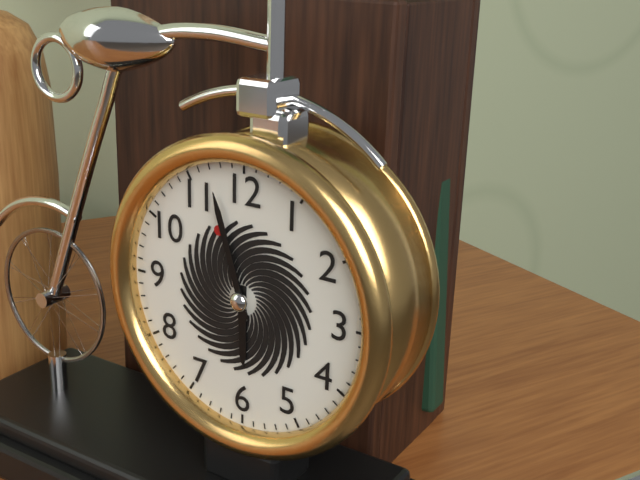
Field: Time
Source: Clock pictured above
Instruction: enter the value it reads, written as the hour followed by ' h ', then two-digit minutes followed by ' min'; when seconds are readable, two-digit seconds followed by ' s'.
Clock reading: 5 h 57 min
